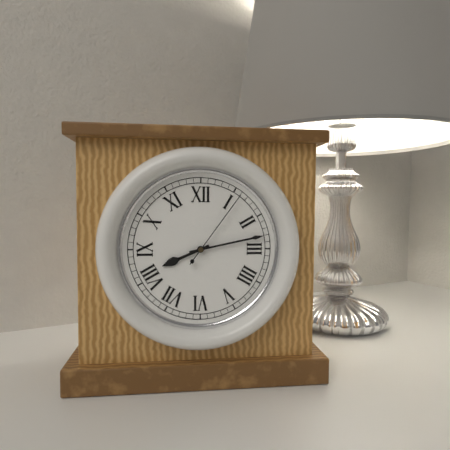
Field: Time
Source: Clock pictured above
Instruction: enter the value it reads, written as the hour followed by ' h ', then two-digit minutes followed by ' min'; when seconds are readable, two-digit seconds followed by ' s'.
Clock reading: 8 h 13 min 06 s
